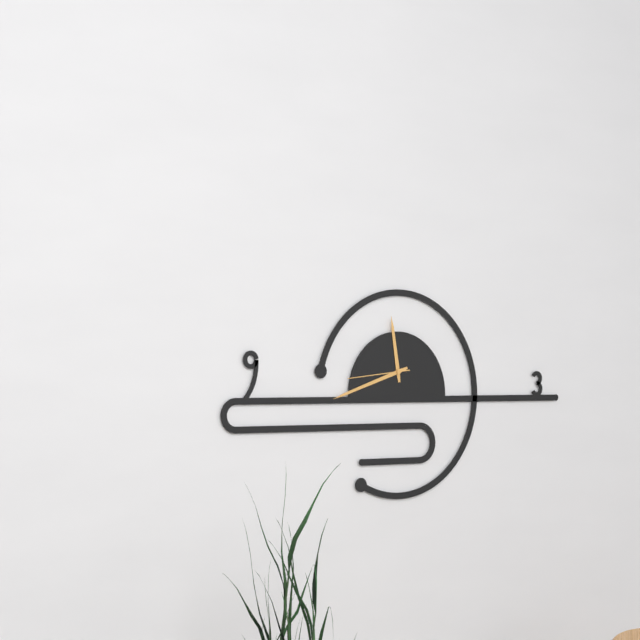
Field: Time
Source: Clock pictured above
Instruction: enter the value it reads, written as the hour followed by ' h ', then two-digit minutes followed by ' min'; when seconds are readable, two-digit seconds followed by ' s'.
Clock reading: 11 h 42 min 44 s
